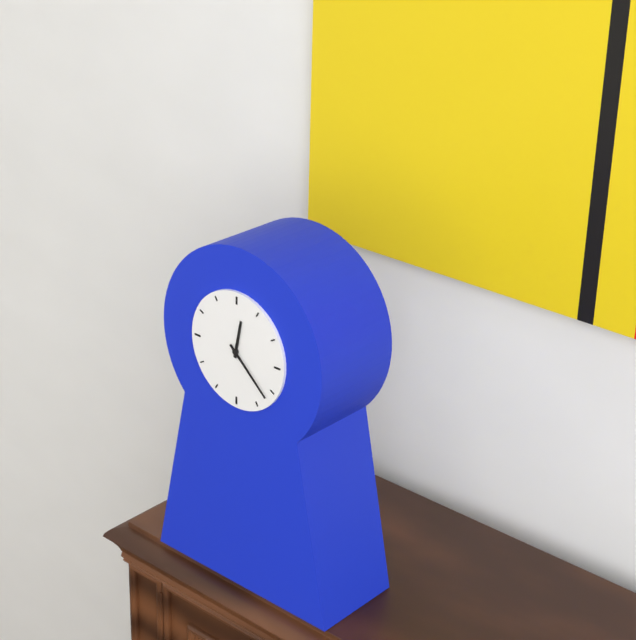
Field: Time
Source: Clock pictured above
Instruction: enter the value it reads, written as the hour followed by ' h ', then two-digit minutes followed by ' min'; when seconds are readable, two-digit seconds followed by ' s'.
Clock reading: 12 h 22 min
